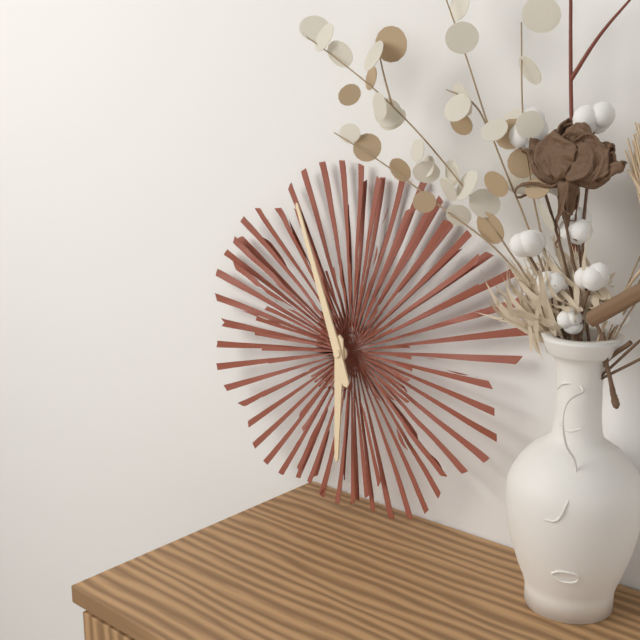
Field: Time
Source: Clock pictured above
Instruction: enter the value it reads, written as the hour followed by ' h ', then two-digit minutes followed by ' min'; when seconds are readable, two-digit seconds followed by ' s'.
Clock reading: 5 h 56 min
